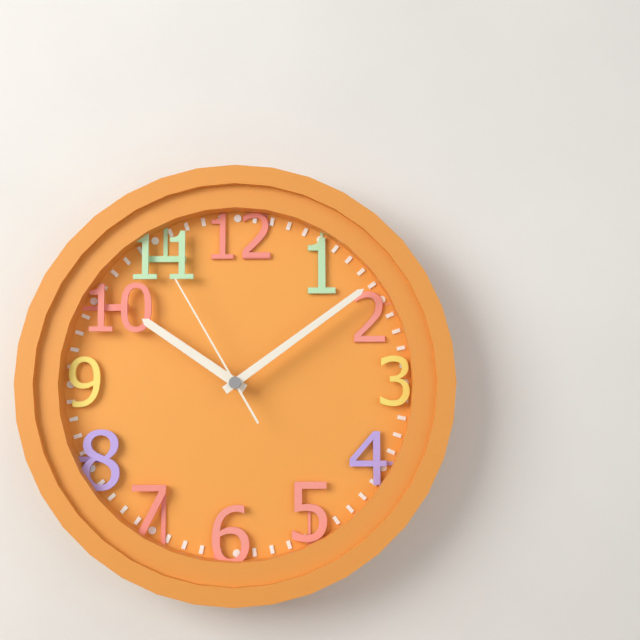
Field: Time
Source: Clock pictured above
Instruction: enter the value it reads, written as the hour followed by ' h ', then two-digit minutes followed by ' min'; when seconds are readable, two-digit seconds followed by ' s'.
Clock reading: 10 h 09 min 55 s
